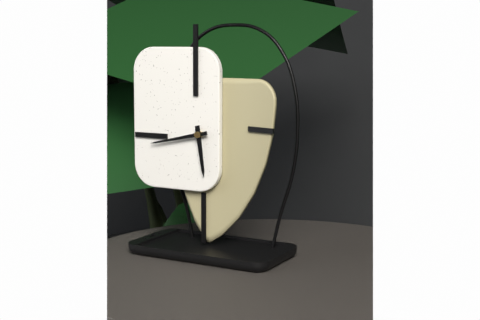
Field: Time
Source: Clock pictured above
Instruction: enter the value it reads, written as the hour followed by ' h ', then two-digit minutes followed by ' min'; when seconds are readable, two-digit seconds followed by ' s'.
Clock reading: 5 h 43 min
